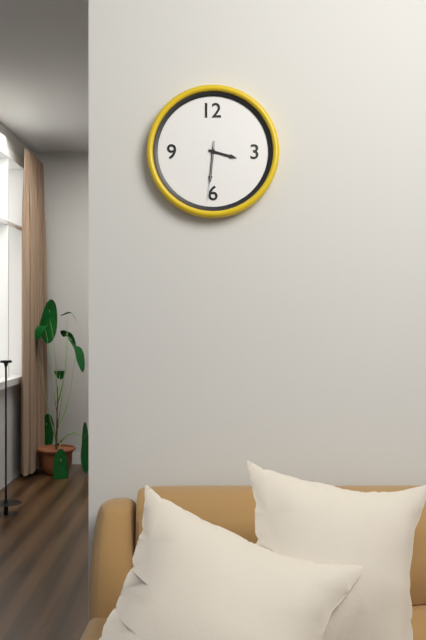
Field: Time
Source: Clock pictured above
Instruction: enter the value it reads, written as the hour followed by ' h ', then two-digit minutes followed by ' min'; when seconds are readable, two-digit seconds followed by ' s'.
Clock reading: 3 h 31 min 31 s
